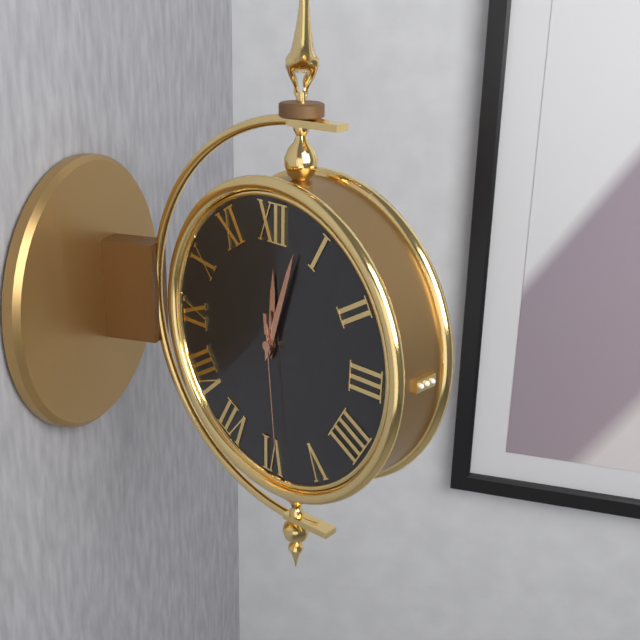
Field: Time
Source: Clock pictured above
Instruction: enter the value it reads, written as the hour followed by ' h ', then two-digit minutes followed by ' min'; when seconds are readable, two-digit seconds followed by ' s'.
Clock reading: 12 h 03 min 29 s
